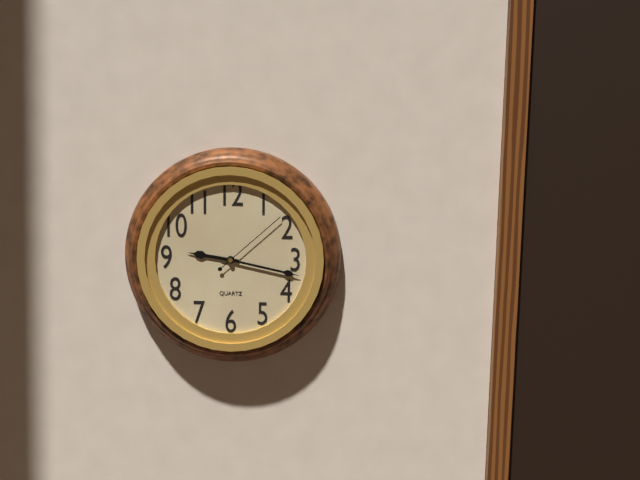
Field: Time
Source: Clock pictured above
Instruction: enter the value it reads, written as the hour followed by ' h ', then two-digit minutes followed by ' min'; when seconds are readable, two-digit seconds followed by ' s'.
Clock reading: 9 h 17 min 08 s
